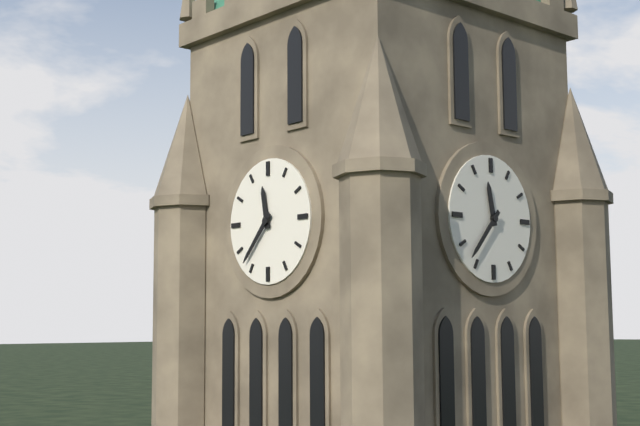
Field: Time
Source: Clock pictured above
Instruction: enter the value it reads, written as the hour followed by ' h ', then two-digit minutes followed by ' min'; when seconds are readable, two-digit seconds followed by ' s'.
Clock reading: 11 h 37 min
